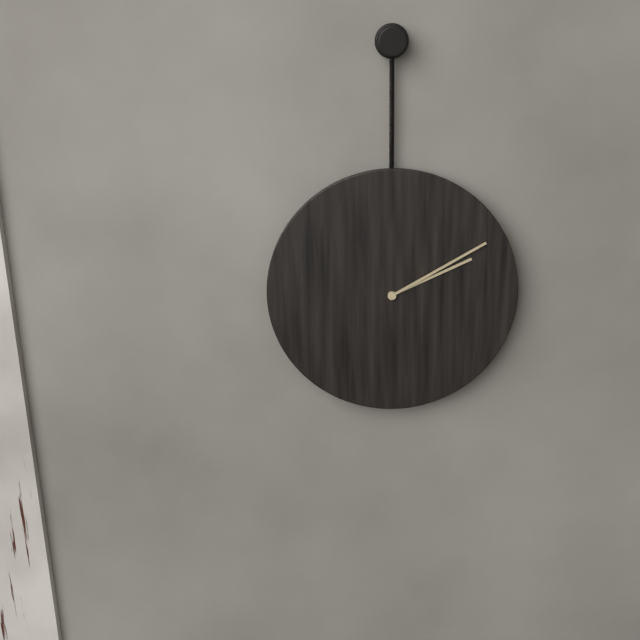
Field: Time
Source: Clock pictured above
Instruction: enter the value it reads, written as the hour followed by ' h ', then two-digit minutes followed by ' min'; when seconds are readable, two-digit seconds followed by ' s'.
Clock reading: 2 h 10 min
